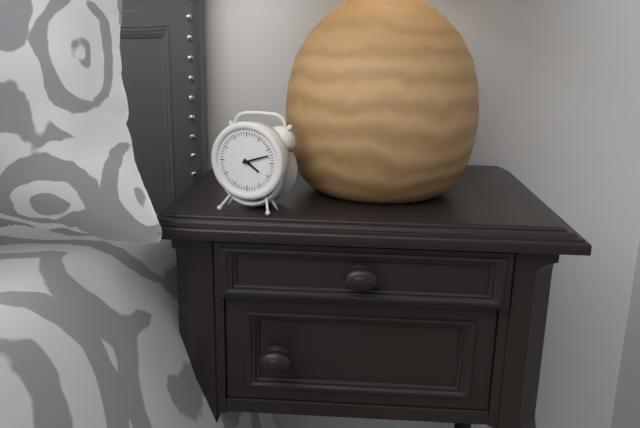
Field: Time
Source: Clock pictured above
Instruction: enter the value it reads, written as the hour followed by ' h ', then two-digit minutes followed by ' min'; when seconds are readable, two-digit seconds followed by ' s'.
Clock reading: 4 h 12 min
